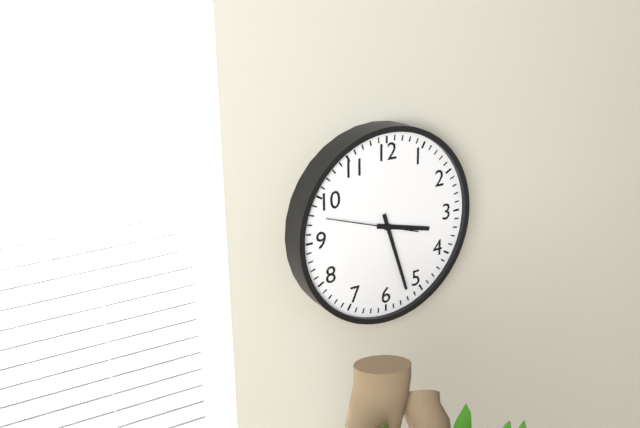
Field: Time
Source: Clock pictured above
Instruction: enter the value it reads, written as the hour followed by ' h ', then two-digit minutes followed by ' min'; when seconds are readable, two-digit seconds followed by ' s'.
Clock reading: 3 h 27 min 48 s
